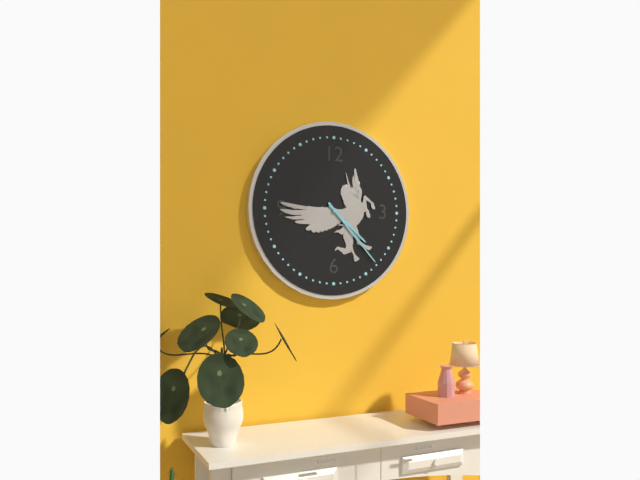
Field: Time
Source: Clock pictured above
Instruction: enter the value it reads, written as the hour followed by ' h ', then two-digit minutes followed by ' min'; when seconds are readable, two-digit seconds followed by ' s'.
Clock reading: 4 h 23 min
